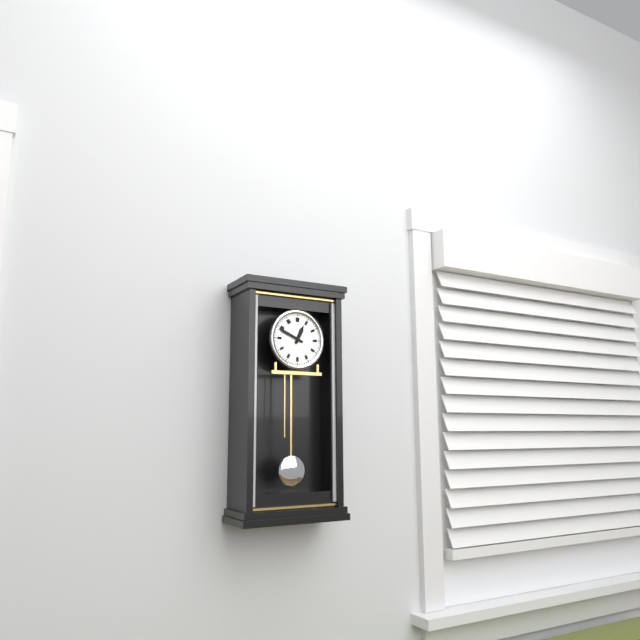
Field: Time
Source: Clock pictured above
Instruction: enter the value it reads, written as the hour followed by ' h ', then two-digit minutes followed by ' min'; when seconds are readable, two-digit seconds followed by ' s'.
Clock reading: 12 h 49 min
